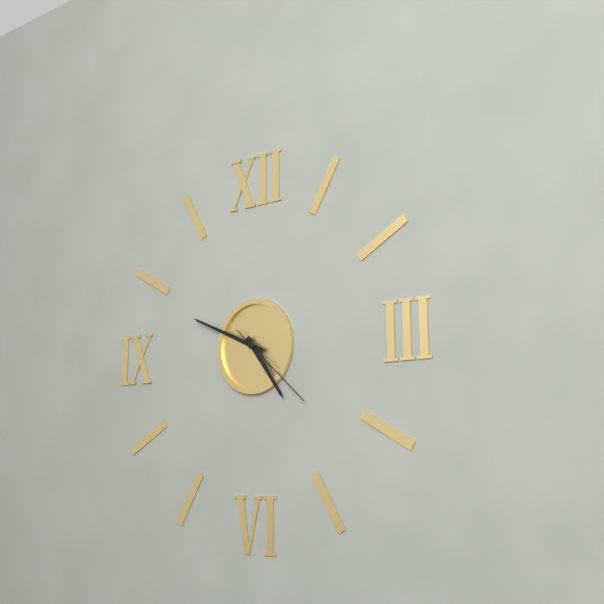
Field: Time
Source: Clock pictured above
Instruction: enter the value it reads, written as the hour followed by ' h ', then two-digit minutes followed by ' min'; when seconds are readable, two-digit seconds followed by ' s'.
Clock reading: 4 h 49 min 22 s
